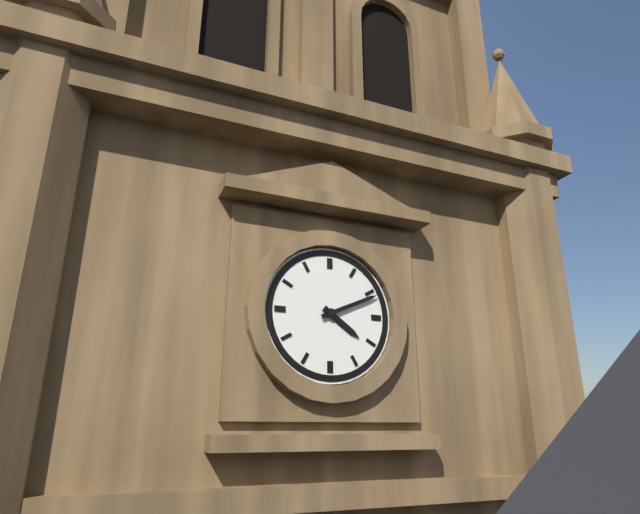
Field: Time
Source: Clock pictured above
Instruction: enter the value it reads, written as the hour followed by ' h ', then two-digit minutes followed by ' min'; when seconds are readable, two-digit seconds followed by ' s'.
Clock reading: 4 h 11 min
